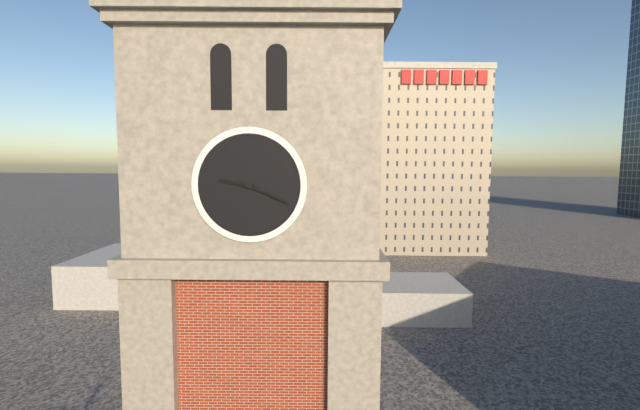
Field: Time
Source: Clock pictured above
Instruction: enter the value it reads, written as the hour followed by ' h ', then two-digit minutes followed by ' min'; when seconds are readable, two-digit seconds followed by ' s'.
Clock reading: 9 h 19 min
